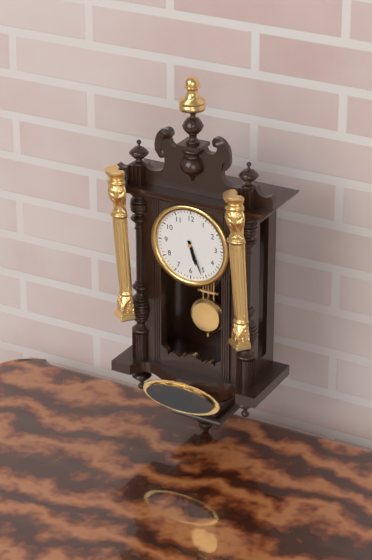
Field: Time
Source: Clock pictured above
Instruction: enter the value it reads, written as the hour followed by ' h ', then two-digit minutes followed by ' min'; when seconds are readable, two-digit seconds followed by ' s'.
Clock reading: 5 h 26 min
